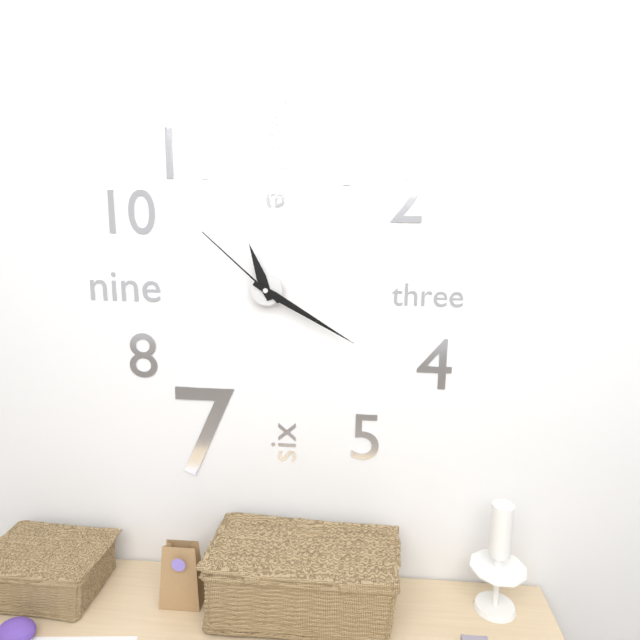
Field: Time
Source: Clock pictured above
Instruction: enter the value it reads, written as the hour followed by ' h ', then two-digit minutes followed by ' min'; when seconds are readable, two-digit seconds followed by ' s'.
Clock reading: 11 h 20 min 52 s
